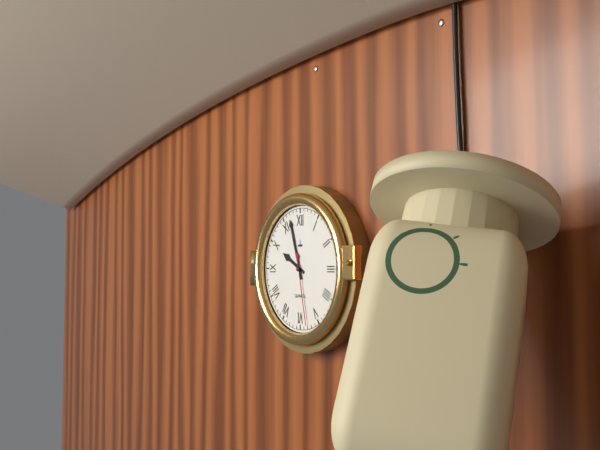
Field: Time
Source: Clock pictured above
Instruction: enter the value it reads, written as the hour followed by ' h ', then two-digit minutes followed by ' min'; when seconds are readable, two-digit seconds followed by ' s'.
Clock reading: 9 h 57 min 28 s
